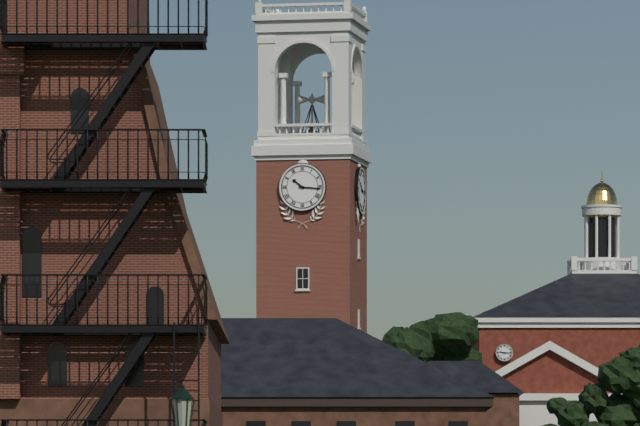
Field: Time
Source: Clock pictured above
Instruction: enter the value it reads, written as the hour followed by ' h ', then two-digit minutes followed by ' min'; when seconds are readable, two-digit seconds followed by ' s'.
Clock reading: 10 h 16 min
